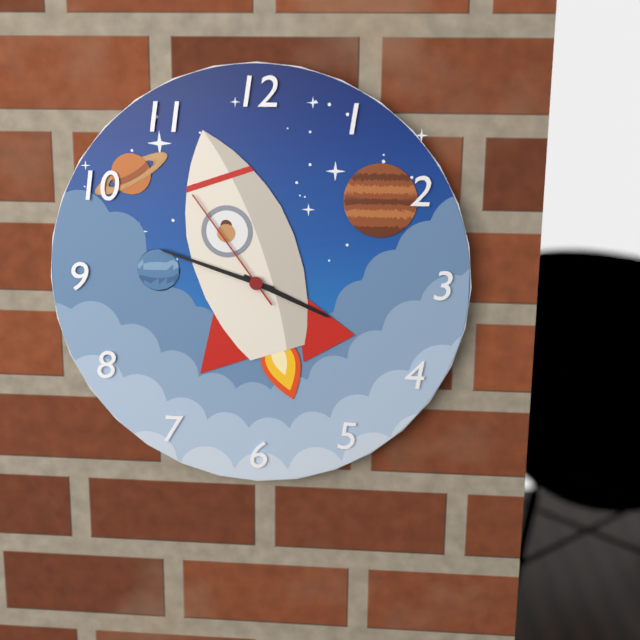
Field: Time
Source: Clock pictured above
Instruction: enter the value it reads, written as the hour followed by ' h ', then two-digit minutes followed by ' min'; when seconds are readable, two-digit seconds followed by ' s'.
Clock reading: 3 h 48 min 54 s
